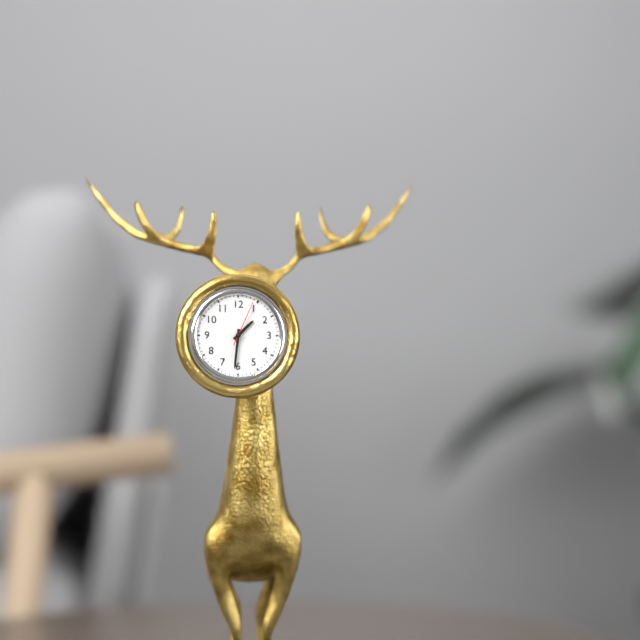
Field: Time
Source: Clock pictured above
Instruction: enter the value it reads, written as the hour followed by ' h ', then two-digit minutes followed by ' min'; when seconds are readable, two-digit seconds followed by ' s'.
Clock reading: 1 h 31 min
